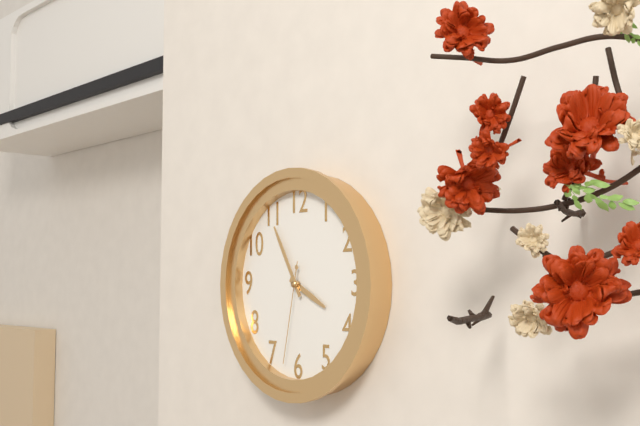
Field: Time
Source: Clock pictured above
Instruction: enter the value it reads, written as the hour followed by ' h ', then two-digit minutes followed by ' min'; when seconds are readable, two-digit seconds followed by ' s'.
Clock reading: 3 h 55 min 32 s
